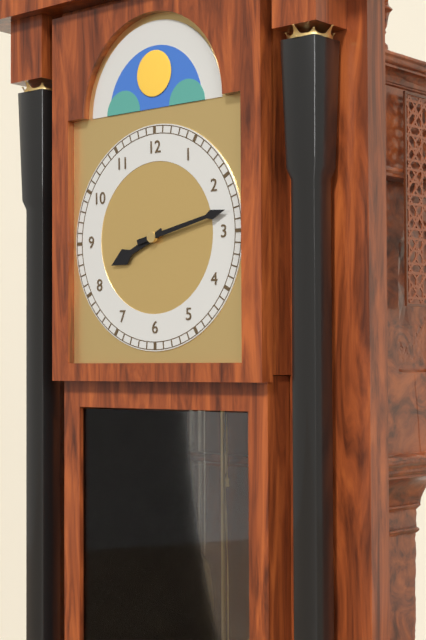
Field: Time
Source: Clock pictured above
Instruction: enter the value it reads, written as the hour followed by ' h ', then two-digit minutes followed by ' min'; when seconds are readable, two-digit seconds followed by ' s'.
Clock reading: 8 h 13 min
